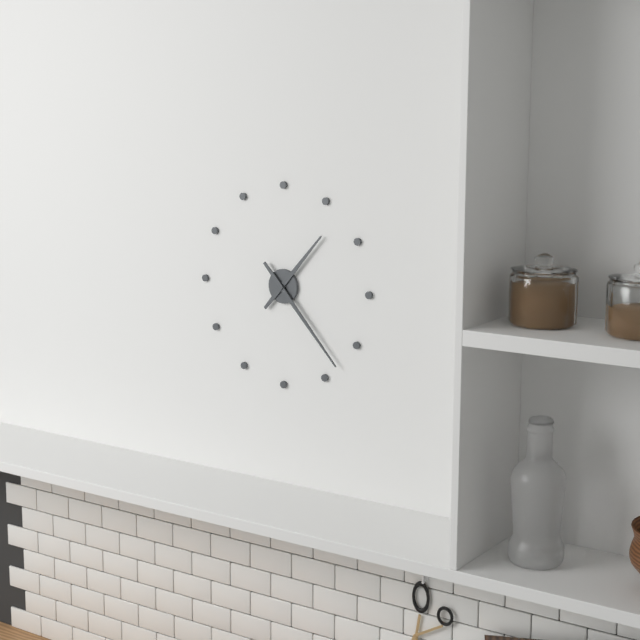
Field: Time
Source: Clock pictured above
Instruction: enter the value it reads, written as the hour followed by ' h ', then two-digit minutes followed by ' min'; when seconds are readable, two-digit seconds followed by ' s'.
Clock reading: 1 h 23 min
